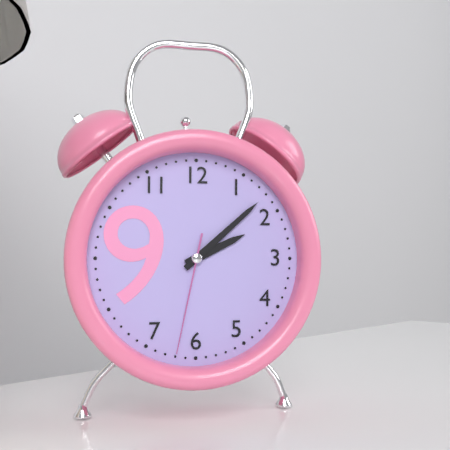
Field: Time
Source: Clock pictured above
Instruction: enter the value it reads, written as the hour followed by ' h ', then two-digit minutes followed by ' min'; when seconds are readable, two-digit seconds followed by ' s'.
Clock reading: 2 h 08 min 32 s
